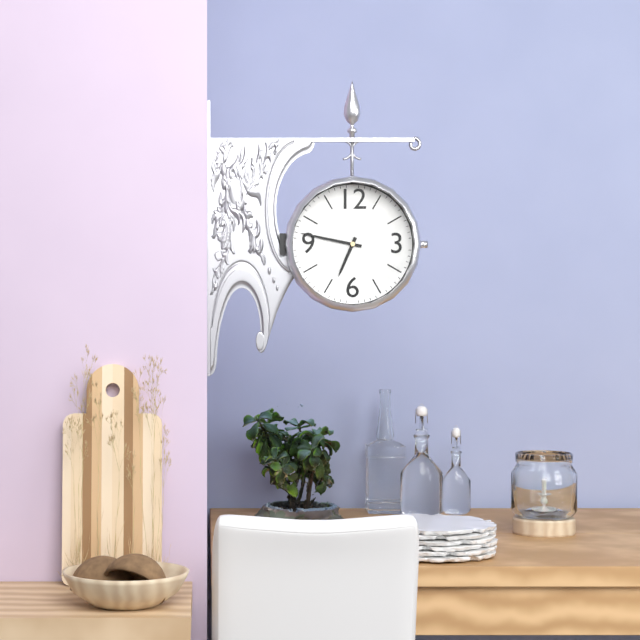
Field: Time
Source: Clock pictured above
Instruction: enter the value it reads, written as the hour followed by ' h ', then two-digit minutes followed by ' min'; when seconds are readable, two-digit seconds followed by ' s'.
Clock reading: 6 h 47 min
